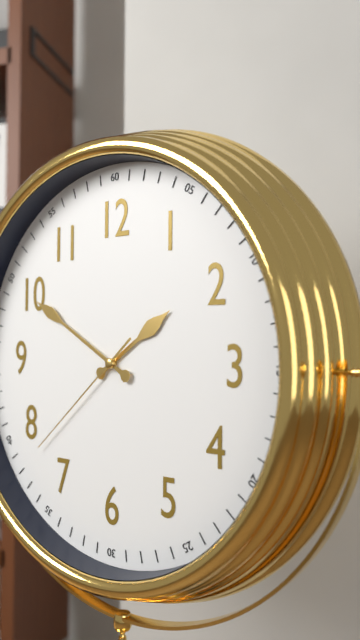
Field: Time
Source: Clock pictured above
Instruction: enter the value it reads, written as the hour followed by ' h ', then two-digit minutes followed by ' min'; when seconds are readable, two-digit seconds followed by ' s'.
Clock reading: 1 h 50 min 38 s
